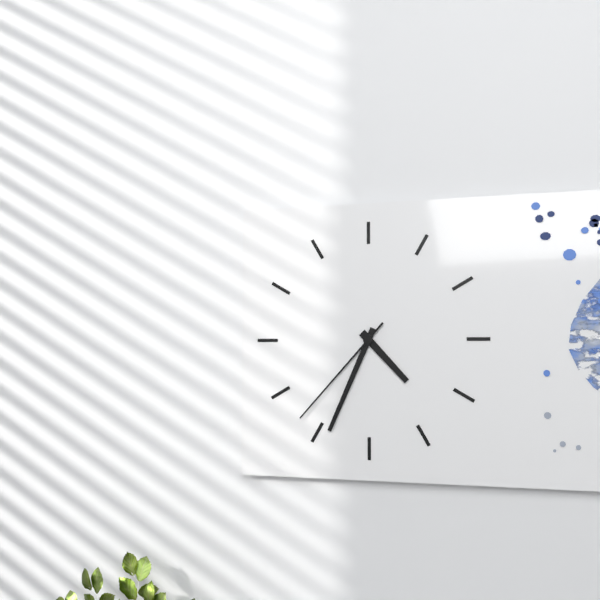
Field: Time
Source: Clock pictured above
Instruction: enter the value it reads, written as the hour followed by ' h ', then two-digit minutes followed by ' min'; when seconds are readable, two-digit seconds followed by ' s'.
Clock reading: 4 h 34 min 37 s
